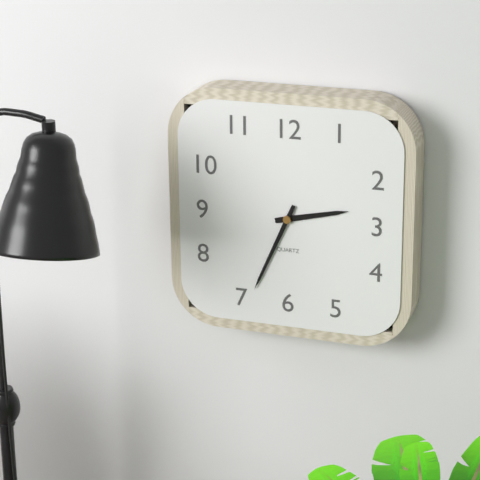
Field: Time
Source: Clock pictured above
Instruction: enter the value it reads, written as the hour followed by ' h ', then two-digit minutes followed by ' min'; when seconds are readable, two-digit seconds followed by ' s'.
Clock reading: 2 h 34 min
